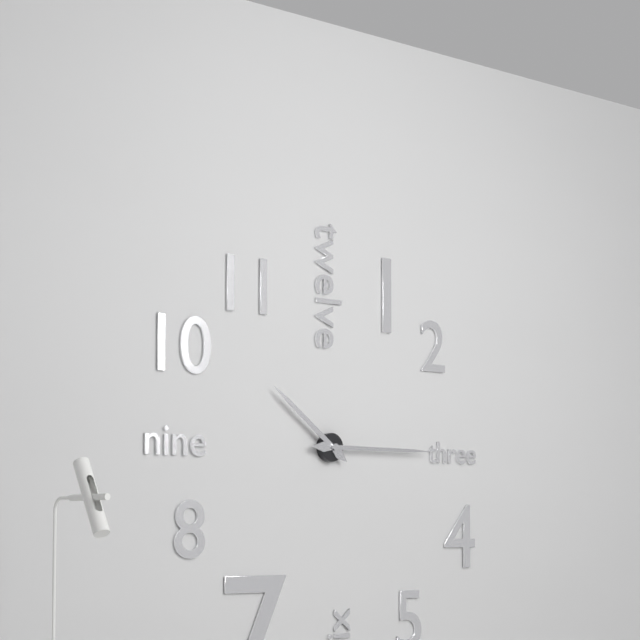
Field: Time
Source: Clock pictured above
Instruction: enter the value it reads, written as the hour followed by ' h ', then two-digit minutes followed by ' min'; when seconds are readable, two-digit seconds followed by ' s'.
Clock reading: 10 h 15 min
